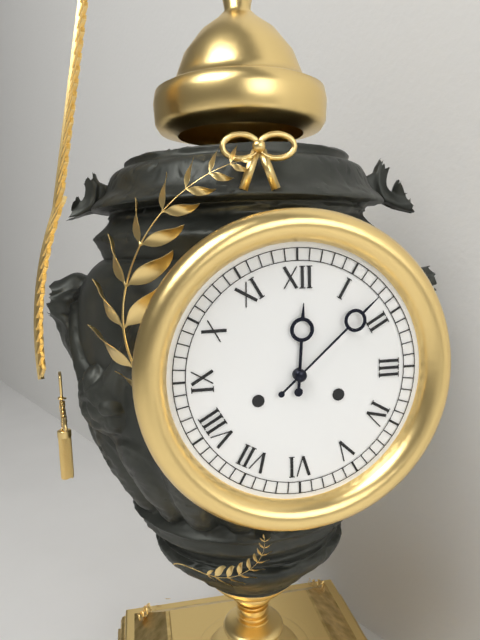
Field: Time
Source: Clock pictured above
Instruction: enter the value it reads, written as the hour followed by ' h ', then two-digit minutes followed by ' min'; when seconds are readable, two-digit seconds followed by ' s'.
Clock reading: 12 h 08 min
